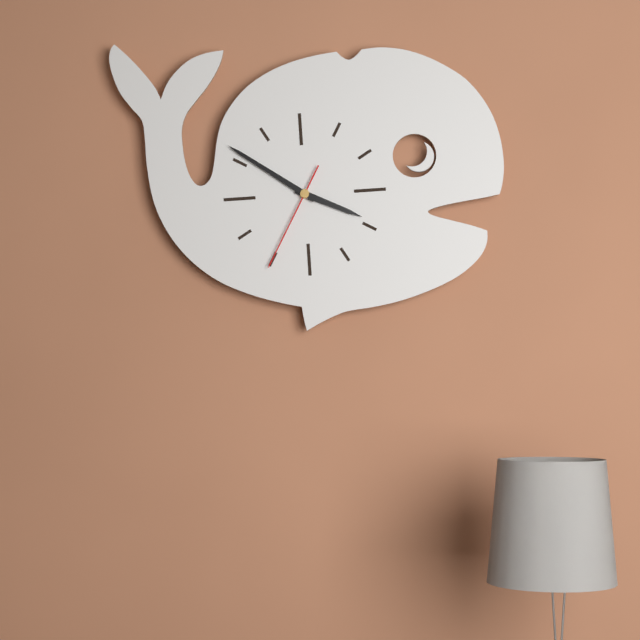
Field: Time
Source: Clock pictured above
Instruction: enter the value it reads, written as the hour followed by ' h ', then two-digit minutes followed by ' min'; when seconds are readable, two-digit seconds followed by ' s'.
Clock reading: 3 h 51 min 35 s
